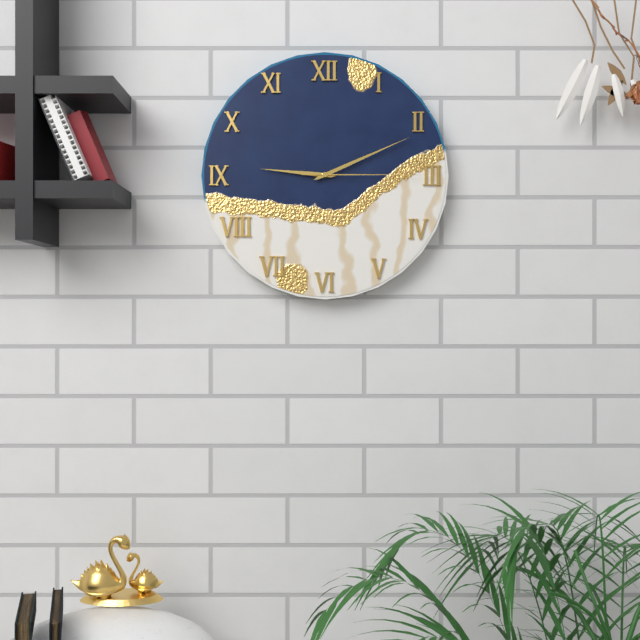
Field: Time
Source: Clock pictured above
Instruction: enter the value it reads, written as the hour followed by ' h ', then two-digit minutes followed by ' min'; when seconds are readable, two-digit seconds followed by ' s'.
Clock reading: 9 h 11 min 15 s
